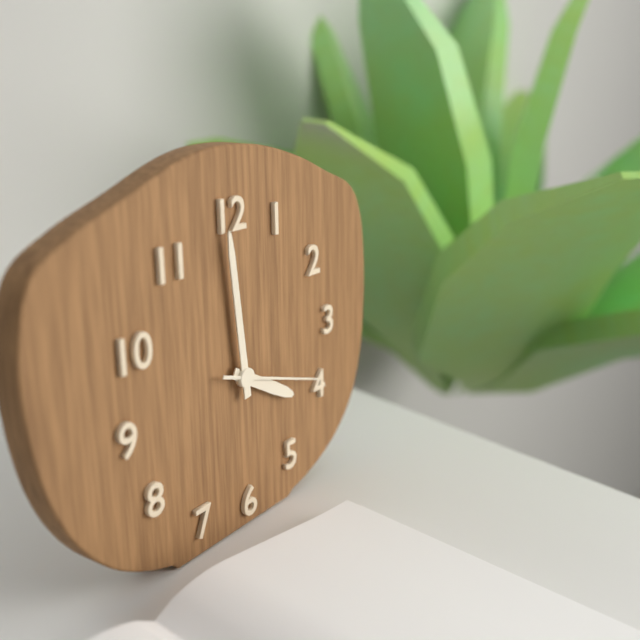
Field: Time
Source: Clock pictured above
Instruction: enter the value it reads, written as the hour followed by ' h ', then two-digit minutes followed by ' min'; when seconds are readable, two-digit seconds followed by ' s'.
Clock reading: 3 h 59 min 18 s
